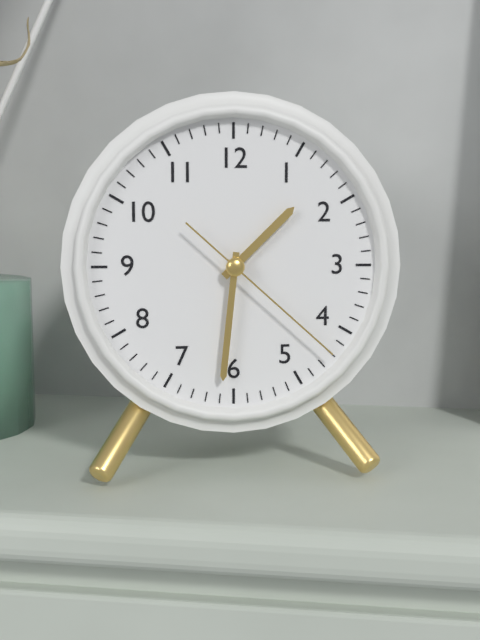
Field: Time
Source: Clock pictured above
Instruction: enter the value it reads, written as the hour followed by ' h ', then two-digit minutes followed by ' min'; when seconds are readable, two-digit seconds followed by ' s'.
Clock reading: 1 h 31 min 22 s
